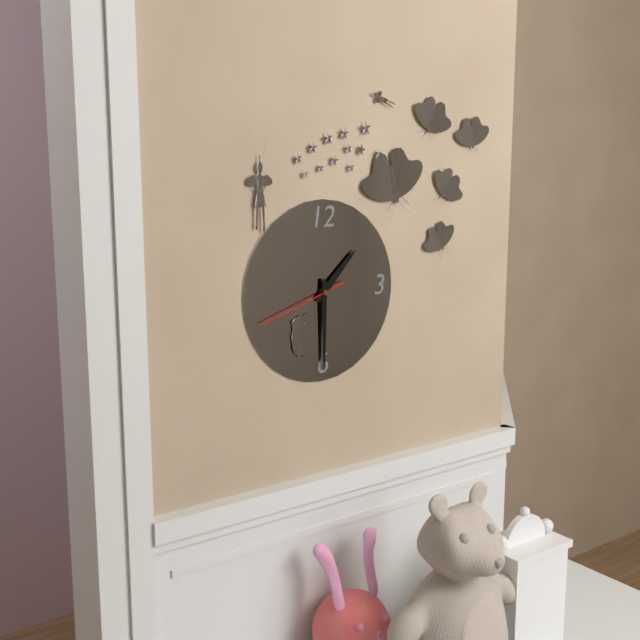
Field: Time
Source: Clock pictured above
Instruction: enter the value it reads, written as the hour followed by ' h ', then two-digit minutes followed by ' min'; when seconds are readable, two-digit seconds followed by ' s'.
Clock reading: 1 h 30 min 42 s
